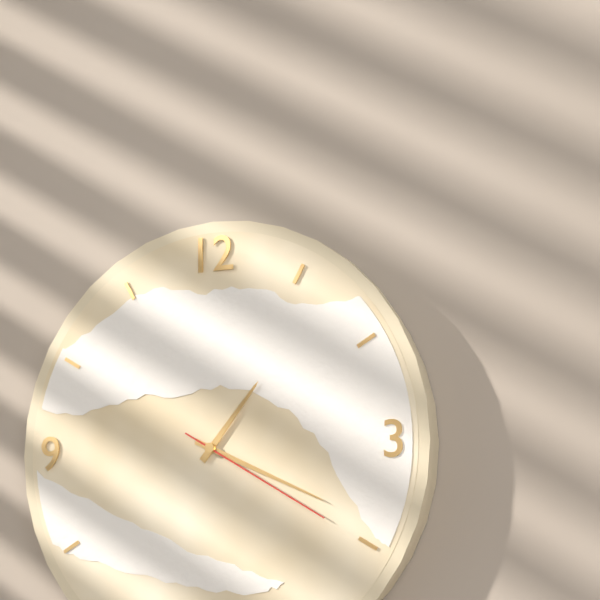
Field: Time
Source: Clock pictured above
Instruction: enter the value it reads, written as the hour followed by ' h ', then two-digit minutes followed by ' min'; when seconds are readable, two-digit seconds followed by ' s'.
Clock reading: 1 h 19 min 20 s
